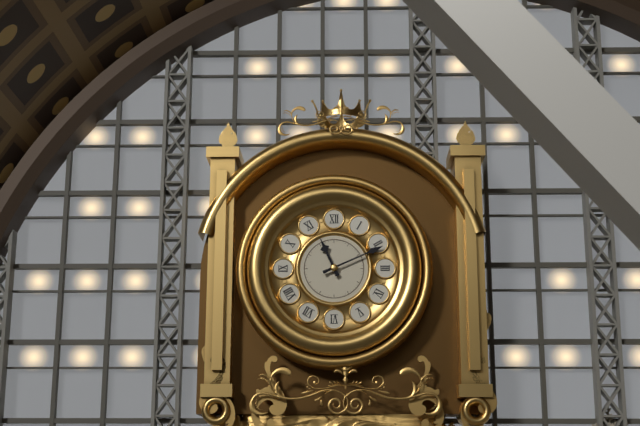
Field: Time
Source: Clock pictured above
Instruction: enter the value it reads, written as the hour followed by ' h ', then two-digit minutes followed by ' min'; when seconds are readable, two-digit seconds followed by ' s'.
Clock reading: 11 h 11 min
